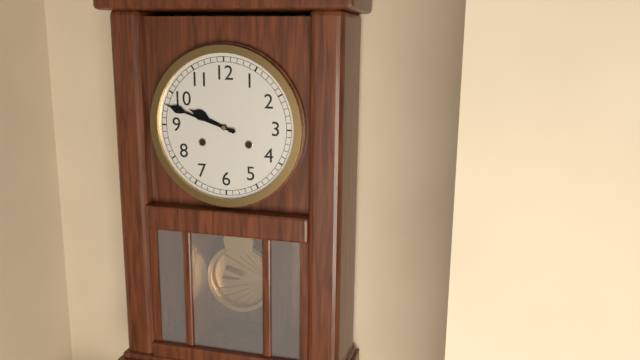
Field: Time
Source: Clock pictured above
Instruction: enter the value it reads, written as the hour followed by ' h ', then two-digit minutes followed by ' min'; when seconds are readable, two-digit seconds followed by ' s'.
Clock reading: 9 h 48 min
